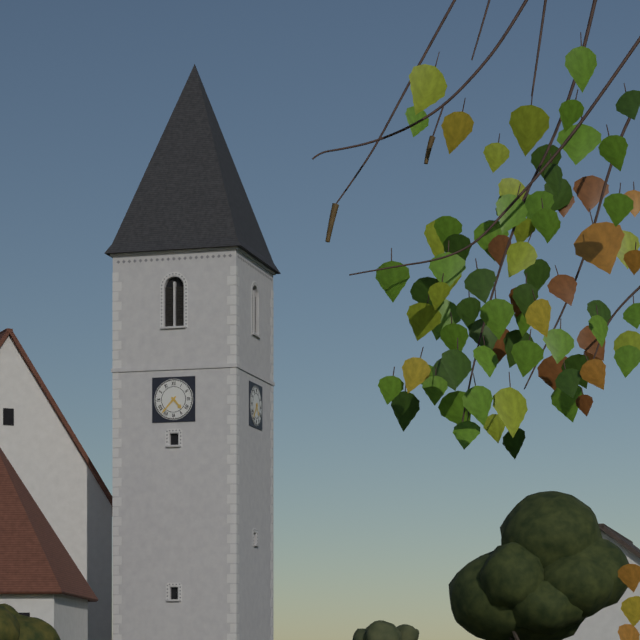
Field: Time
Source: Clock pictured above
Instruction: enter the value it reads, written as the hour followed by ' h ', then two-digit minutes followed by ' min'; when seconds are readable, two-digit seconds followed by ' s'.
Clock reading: 4 h 37 min
